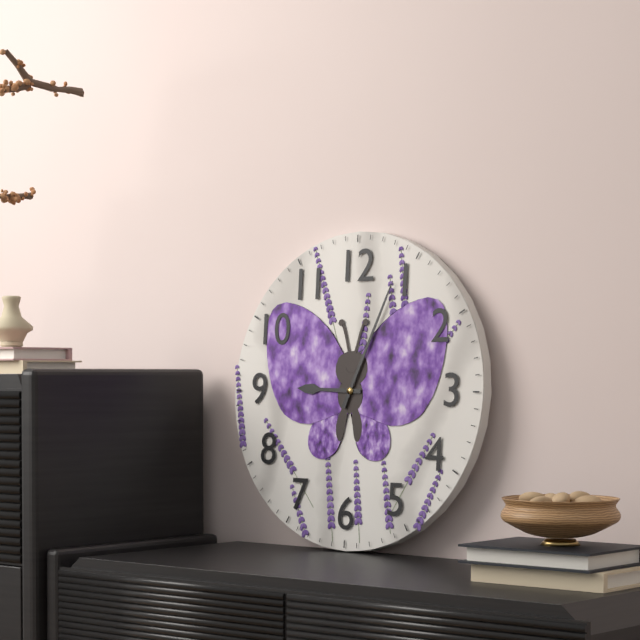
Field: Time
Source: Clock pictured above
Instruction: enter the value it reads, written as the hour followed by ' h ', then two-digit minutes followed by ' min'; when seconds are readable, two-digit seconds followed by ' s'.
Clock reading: 9 h 04 min
